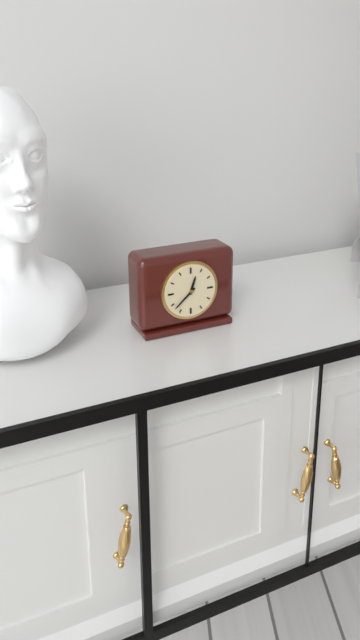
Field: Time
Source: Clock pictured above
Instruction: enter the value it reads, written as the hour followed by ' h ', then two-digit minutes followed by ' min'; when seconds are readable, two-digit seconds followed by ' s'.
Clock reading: 12 h 38 min
